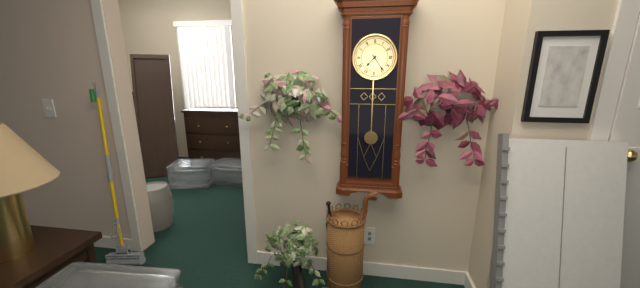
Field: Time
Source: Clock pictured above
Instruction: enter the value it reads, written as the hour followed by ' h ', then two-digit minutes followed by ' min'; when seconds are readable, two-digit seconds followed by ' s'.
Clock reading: 7 h 24 min
